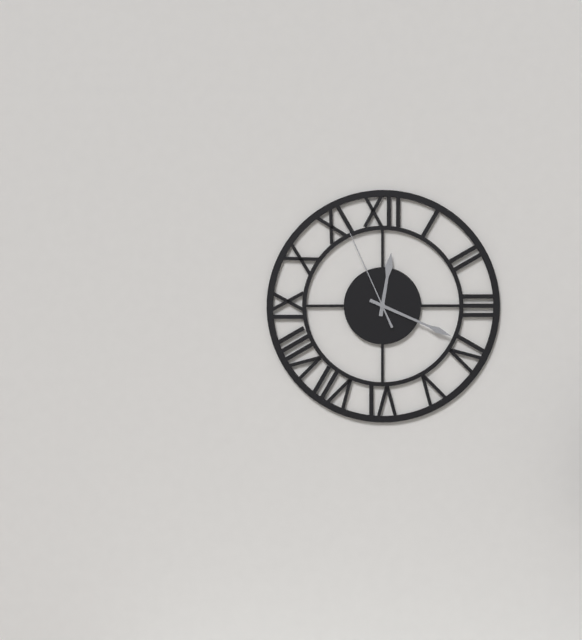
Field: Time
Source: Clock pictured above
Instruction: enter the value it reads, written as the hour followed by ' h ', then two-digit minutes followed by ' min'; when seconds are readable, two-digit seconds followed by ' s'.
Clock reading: 12 h 19 min 56 s
